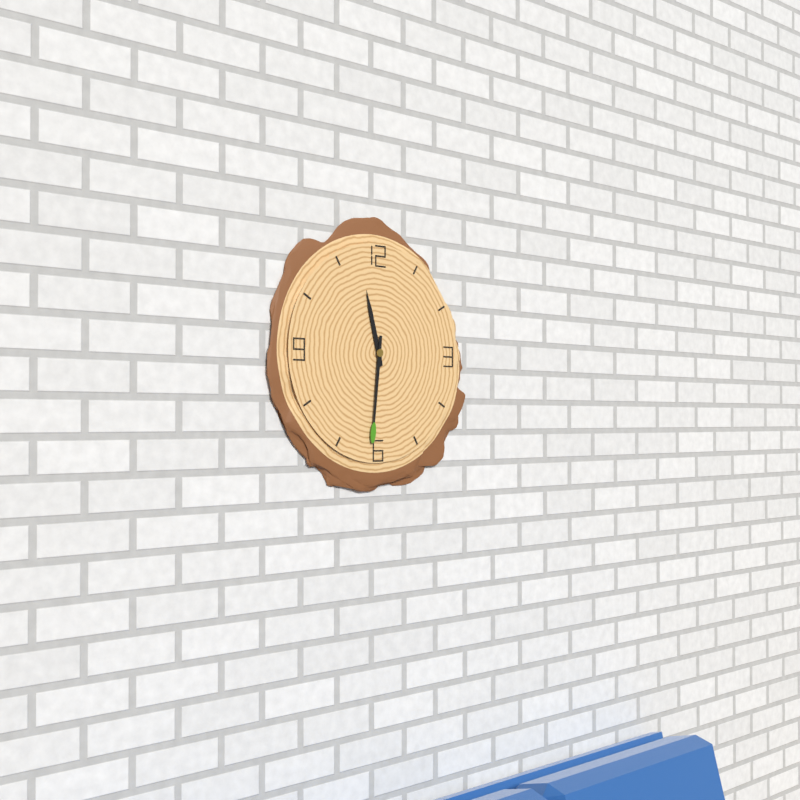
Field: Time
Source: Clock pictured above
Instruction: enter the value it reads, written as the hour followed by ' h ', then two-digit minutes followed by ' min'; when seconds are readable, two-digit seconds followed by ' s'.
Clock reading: 11 h 31 min
